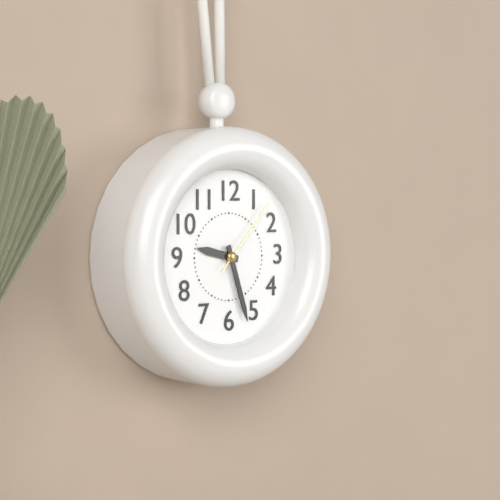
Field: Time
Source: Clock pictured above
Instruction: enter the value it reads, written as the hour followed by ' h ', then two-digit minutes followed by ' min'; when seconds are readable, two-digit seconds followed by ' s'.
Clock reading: 9 h 27 min 07 s
